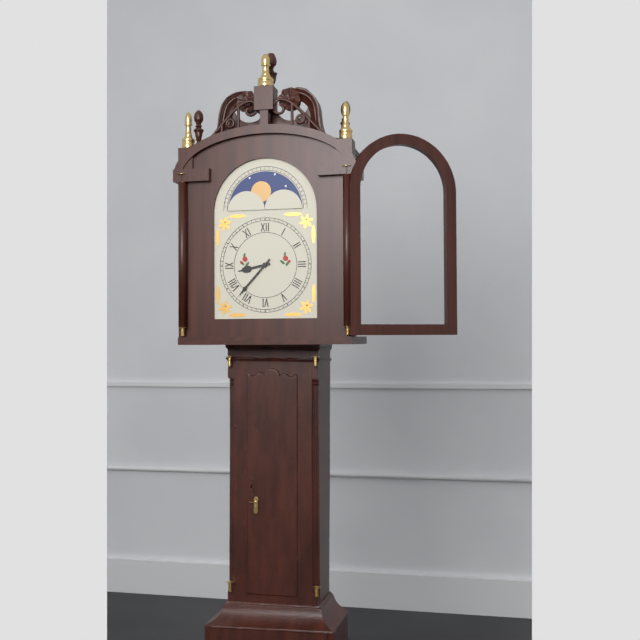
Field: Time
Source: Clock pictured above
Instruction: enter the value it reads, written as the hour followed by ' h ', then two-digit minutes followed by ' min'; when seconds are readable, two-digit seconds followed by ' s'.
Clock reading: 8 h 37 min
